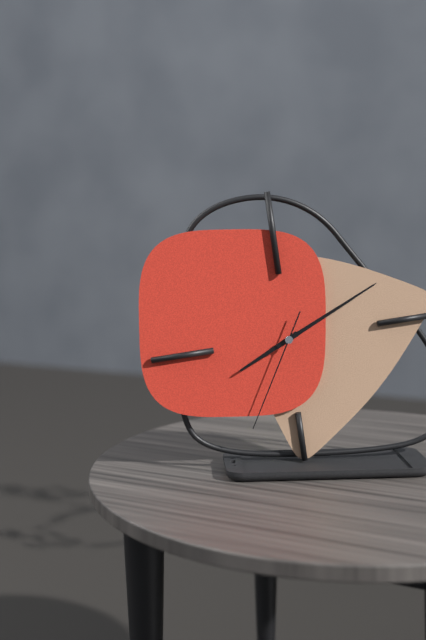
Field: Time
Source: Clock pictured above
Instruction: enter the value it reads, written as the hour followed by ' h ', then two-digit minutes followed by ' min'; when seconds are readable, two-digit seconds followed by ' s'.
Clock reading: 8 h 11 min 35 s
